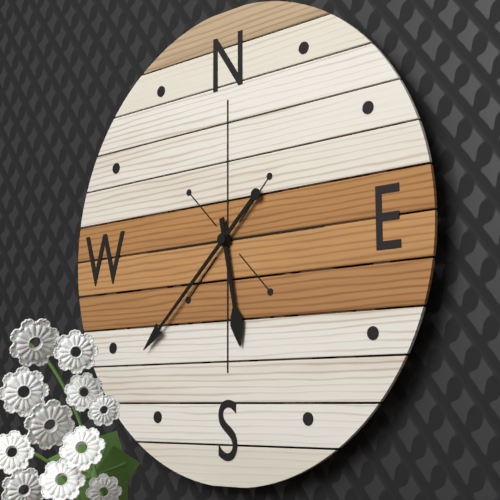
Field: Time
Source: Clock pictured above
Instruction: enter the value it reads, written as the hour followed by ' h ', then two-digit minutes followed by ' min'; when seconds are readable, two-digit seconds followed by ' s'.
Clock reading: 5 h 38 min
